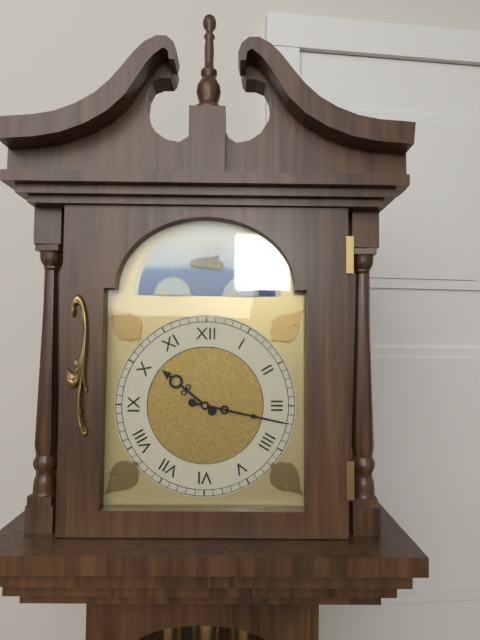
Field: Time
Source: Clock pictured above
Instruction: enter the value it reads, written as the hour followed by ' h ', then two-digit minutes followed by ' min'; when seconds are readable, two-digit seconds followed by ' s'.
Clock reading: 10 h 17 min
